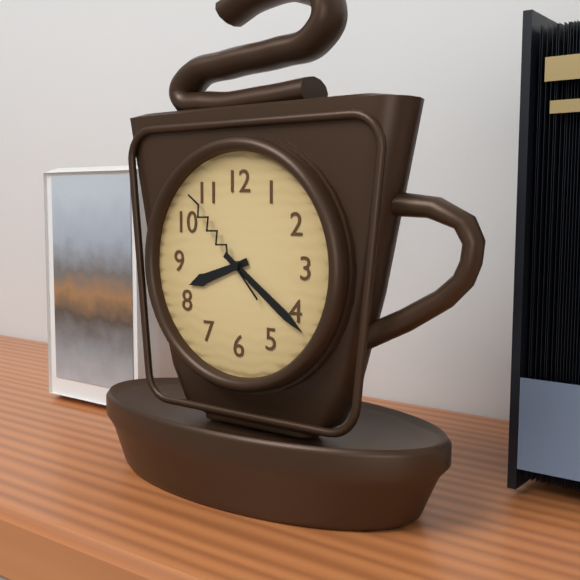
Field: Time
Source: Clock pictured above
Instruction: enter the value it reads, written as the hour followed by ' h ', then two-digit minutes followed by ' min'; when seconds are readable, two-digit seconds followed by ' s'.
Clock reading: 8 h 21 min 53 s
